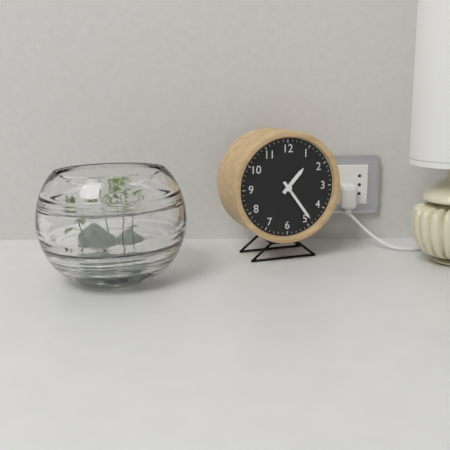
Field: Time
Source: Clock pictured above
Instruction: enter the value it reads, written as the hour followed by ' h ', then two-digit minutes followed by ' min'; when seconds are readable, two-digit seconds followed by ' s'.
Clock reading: 1 h 24 min
